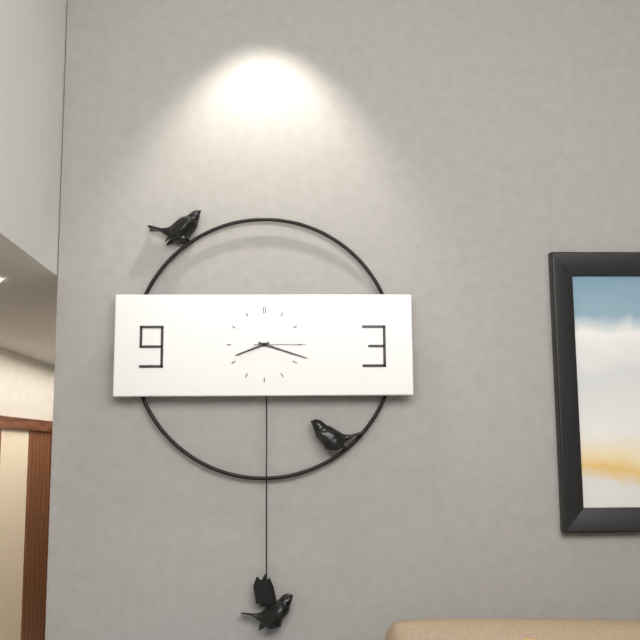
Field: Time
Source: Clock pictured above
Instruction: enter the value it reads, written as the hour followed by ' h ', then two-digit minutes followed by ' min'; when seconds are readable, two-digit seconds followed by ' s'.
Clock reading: 8 h 18 min 15 s
